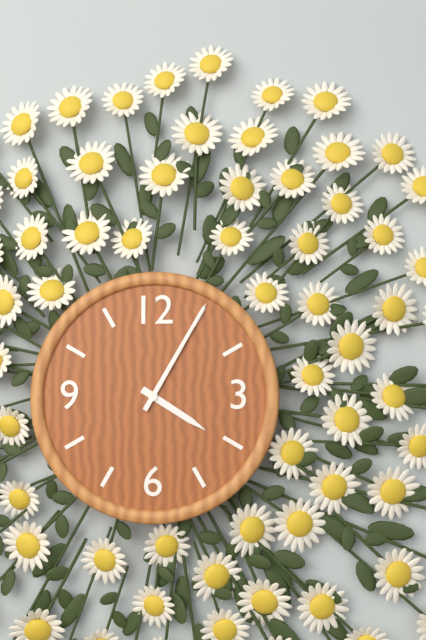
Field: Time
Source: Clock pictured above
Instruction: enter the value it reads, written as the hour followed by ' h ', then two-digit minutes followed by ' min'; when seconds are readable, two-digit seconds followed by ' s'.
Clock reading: 4 h 05 min
